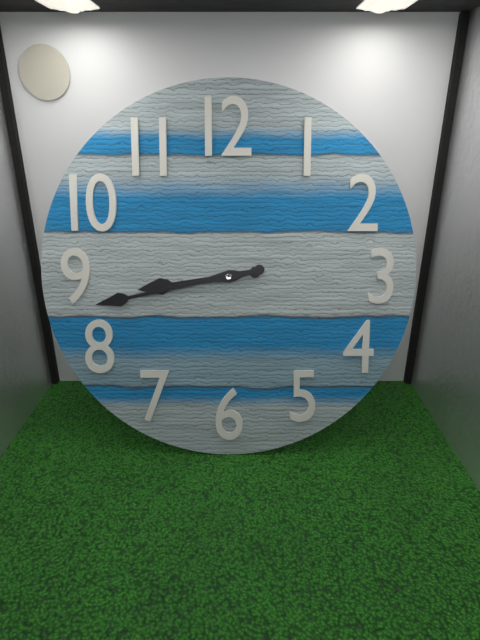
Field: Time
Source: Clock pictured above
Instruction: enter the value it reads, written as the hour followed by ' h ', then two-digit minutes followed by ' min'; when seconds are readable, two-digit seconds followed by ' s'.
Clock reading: 8 h 43 min
